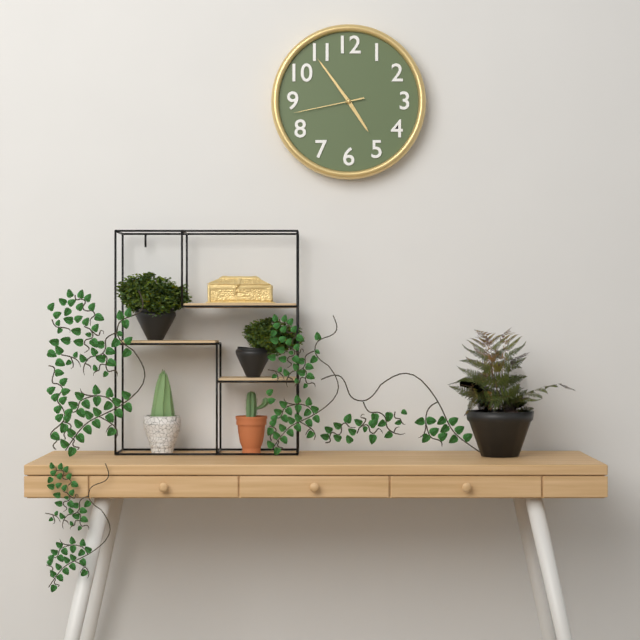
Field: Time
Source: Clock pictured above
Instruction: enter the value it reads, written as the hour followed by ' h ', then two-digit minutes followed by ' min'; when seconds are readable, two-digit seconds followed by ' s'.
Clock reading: 4 h 54 min 43 s
